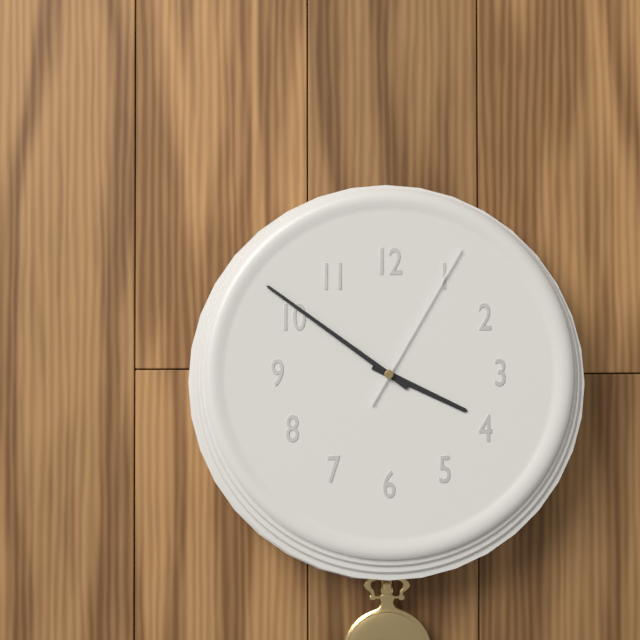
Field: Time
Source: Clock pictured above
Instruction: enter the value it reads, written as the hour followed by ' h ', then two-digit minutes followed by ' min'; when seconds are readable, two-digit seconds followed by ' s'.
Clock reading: 3 h 51 min 05 s
